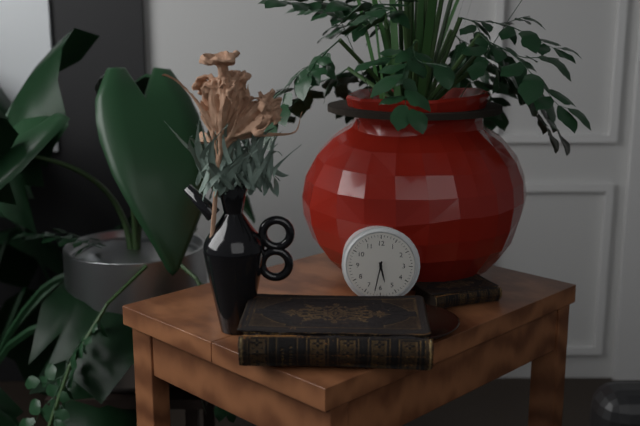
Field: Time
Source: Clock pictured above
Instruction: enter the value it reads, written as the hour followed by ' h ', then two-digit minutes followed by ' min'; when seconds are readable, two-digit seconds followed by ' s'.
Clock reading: 5 h 32 min
